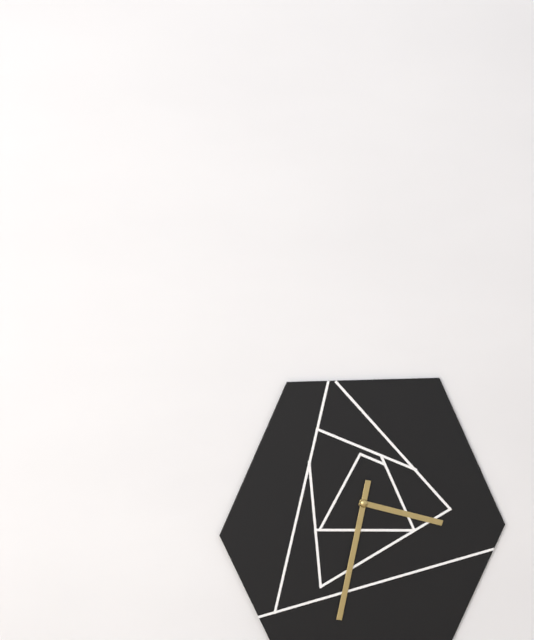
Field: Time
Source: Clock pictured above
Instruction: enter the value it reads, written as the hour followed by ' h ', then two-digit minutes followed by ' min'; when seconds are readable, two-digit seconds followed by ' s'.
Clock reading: 3 h 32 min
